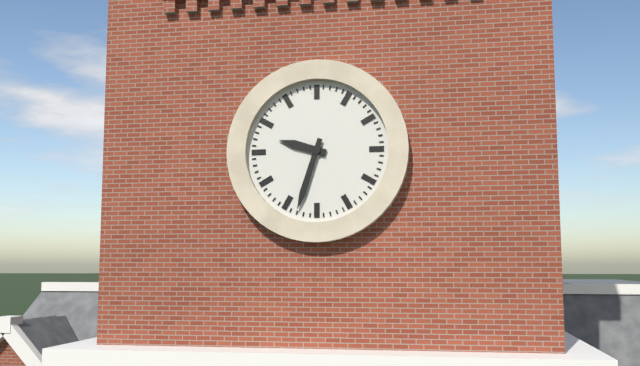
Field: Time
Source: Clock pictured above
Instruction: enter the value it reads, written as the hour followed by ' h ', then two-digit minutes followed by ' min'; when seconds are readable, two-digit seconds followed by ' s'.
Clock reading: 9 h 33 min
